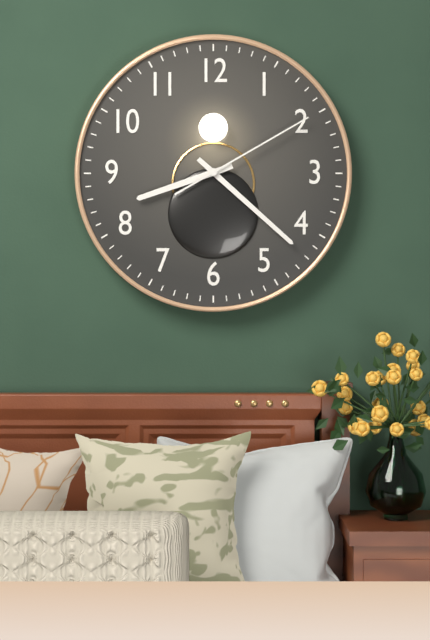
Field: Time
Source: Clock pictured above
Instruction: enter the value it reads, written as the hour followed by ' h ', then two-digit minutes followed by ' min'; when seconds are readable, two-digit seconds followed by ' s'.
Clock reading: 8 h 22 min 10 s
